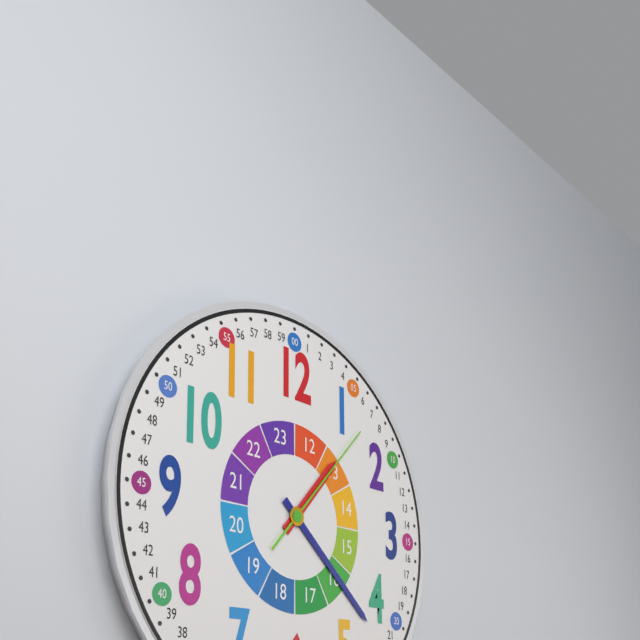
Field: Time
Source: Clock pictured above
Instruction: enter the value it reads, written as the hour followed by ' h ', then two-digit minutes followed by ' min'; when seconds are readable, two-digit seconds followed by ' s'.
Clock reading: 1 h 22 min 07 s
